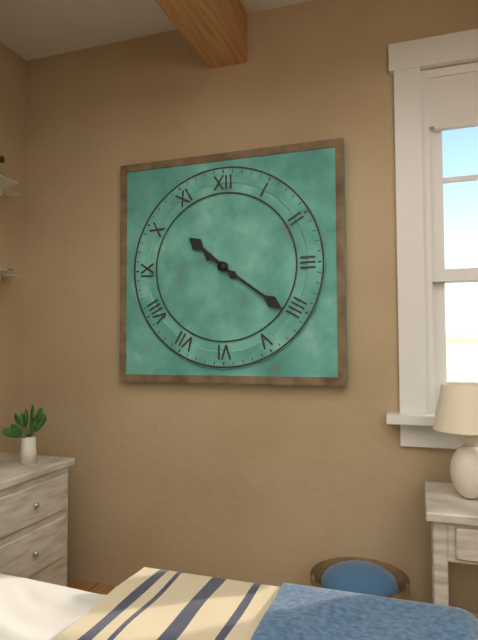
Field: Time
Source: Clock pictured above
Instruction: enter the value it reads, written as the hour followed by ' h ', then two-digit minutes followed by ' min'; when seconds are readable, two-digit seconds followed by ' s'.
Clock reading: 10 h 21 min
